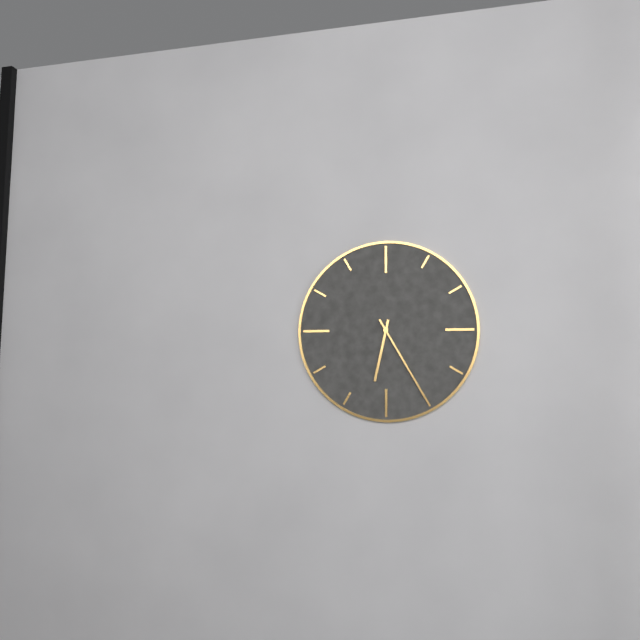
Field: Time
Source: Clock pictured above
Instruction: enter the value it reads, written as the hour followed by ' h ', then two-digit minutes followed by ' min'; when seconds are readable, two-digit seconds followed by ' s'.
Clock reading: 6 h 25 min
